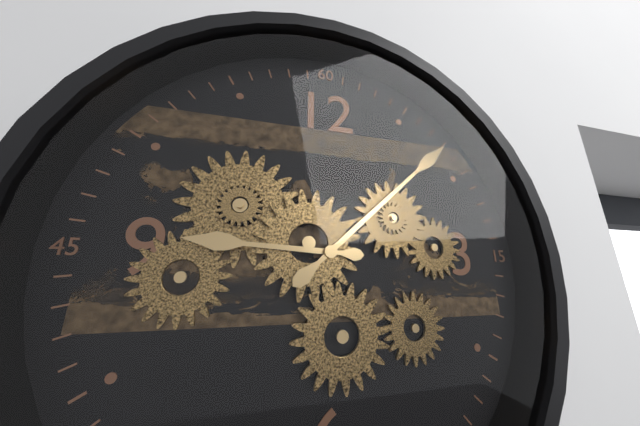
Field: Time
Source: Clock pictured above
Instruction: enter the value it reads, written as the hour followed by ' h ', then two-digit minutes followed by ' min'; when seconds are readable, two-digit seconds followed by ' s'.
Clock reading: 9 h 08 min
